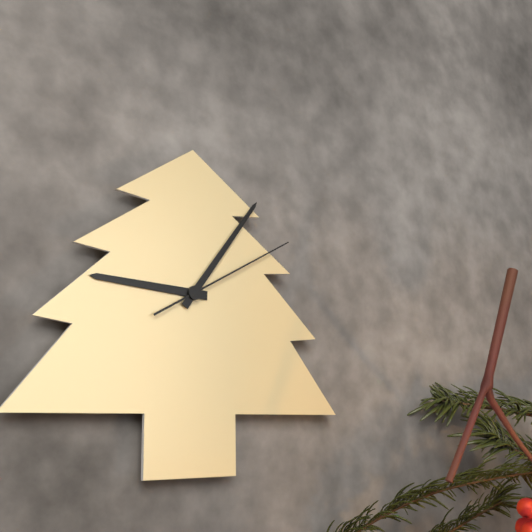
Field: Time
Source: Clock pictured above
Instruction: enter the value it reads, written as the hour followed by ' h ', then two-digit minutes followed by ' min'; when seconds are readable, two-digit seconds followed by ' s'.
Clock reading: 9 h 06 min 10 s
